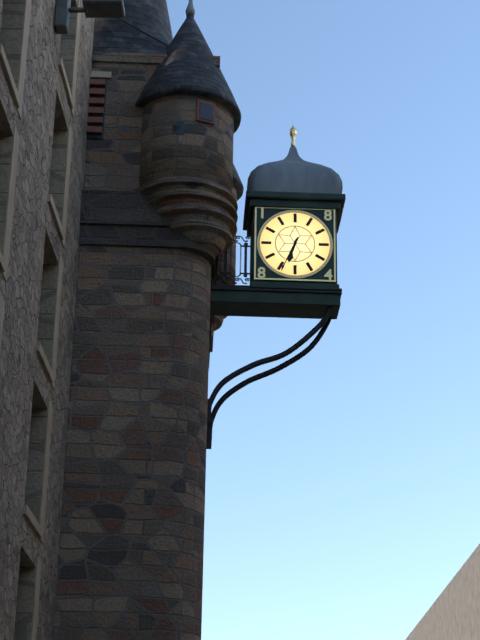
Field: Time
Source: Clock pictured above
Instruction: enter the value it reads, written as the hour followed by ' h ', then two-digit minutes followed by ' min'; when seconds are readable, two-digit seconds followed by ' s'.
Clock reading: 6 h 34 min
